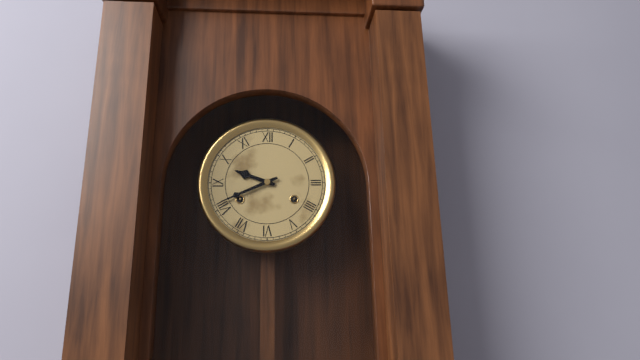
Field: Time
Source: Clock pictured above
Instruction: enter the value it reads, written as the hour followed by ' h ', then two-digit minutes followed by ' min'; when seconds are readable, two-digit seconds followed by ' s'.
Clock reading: 9 h 41 min
